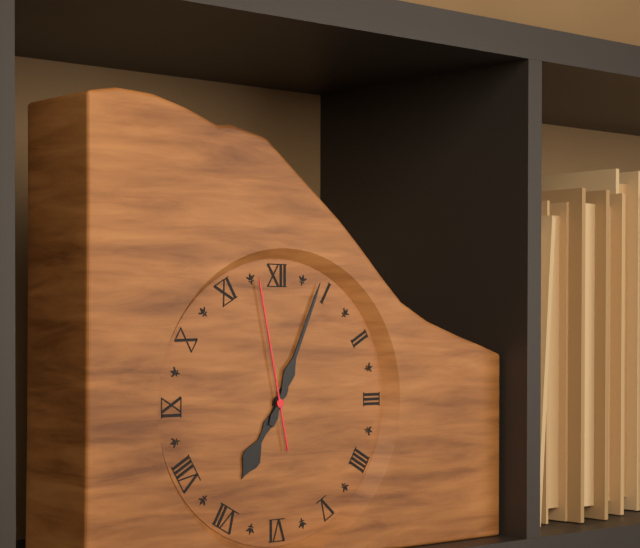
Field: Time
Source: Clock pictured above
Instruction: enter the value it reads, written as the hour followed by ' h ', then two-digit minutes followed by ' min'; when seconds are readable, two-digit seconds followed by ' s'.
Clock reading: 7 h 04 min 58 s
